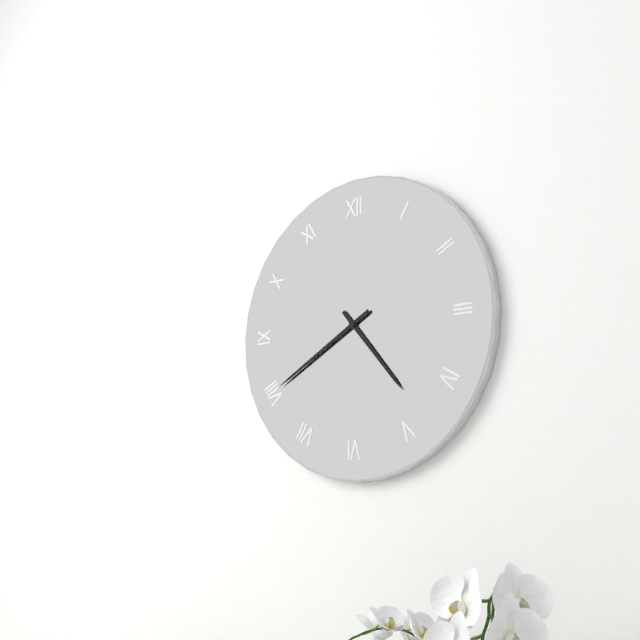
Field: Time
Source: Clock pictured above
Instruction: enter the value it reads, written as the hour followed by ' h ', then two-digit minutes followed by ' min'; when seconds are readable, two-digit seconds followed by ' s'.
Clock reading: 4 h 40 min
